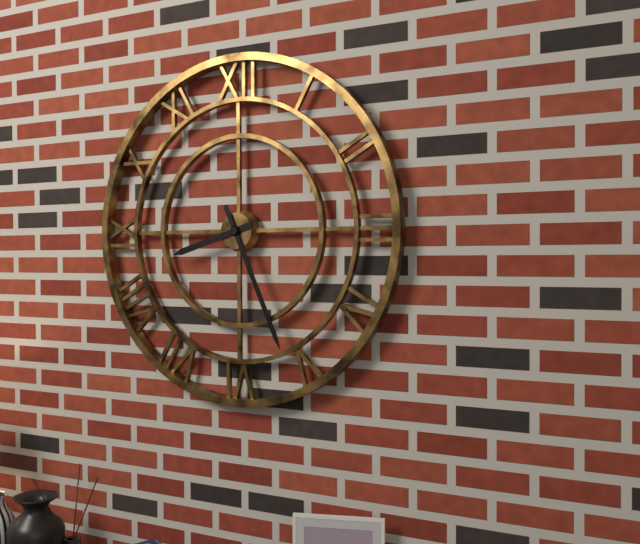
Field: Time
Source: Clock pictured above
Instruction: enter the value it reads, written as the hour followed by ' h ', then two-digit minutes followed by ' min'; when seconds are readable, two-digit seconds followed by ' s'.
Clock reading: 8 h 26 min
